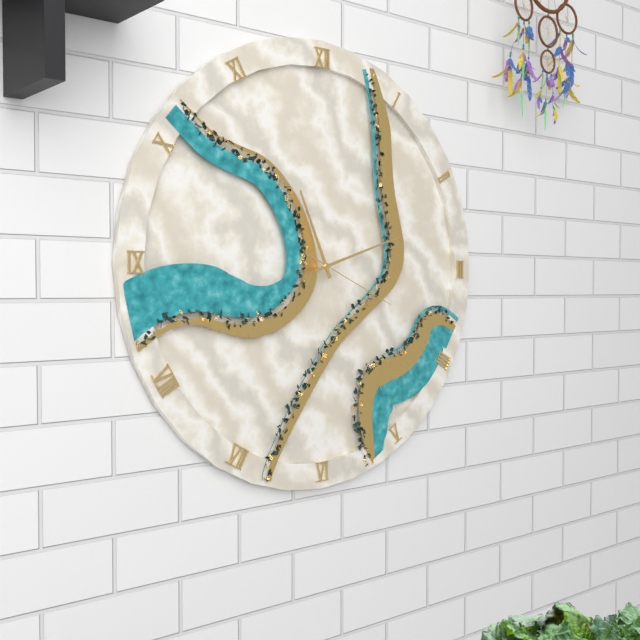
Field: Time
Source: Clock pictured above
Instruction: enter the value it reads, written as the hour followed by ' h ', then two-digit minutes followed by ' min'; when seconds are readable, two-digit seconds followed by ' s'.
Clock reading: 11 h 12 min 19 s
